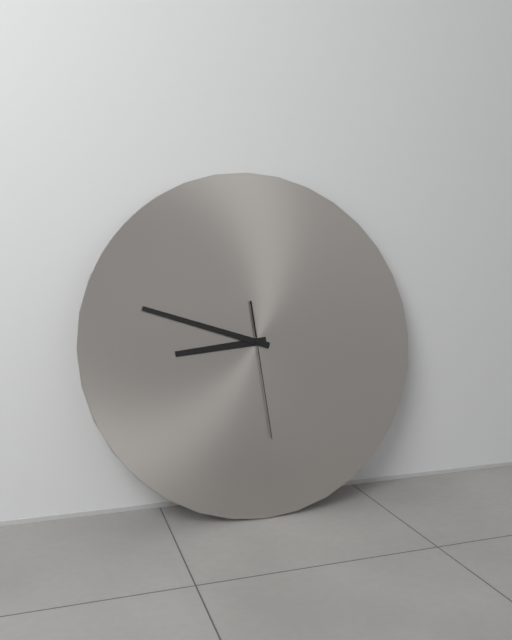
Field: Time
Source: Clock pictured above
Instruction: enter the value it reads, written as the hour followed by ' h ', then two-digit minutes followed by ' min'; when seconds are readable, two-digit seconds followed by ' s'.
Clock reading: 8 h 48 min 29 s
